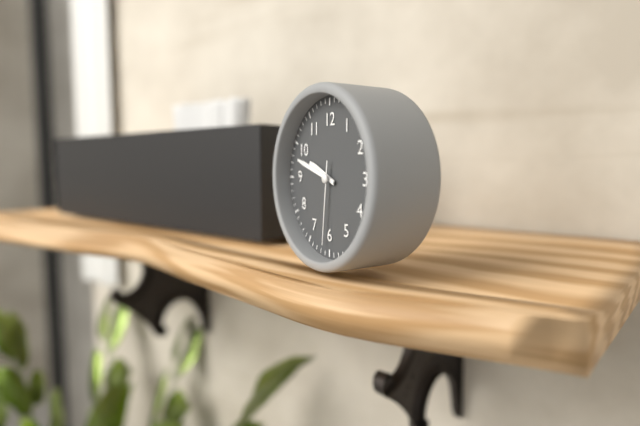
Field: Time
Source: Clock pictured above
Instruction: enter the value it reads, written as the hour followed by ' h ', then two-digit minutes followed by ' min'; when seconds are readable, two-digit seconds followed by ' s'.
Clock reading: 9 h 48 min 31 s
